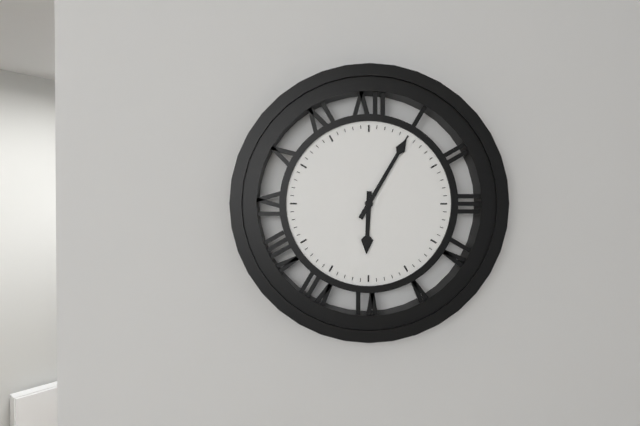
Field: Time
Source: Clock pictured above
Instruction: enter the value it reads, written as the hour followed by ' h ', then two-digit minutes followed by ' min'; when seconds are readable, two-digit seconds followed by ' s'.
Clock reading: 6 h 05 min
